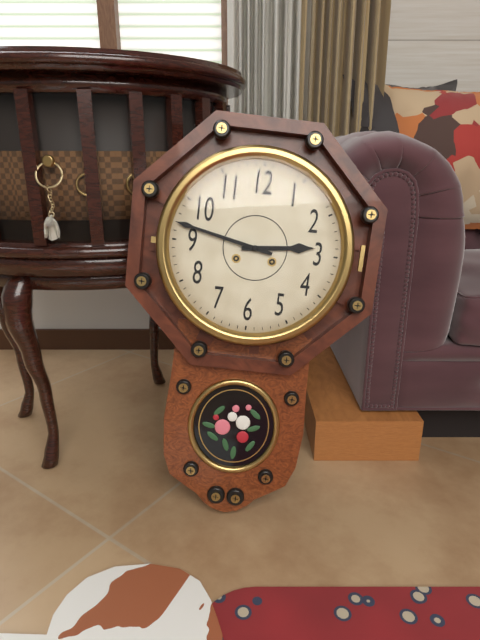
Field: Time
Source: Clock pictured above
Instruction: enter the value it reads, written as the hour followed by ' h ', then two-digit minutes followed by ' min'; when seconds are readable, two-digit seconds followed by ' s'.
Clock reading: 2 h 47 min
